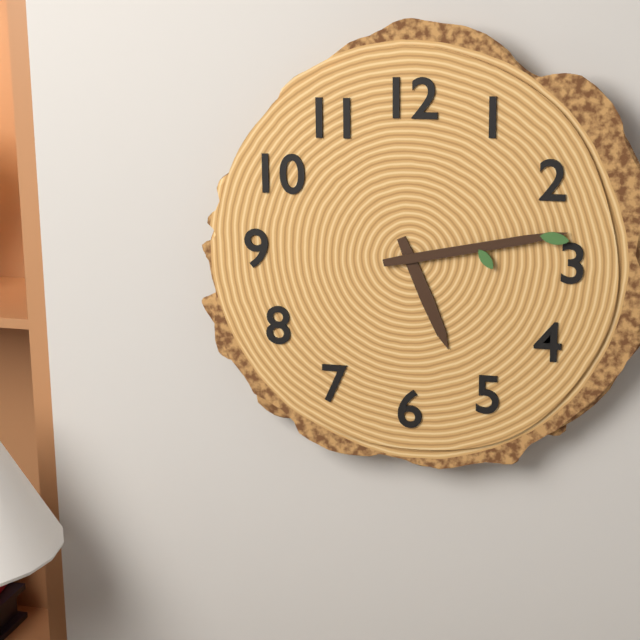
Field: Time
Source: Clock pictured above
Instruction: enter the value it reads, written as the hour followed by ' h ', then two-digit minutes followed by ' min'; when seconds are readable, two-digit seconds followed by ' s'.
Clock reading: 5 h 13 min
